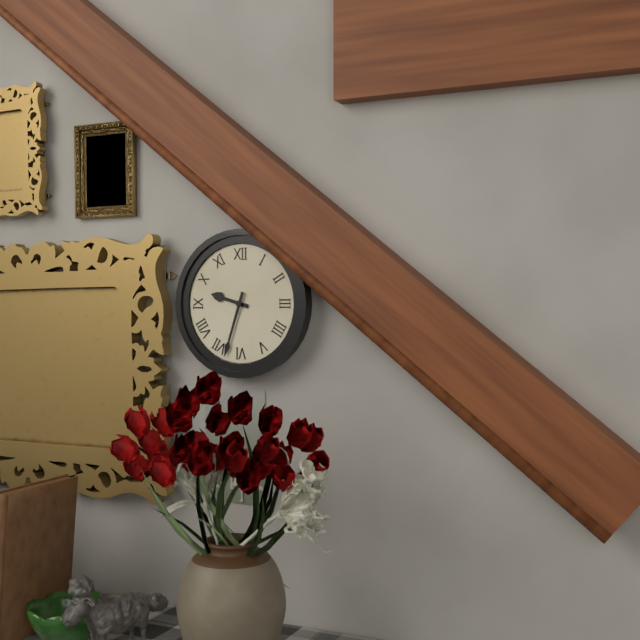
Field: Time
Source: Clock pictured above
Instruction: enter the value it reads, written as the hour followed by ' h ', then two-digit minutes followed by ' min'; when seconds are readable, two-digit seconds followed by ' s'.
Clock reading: 9 h 33 min
